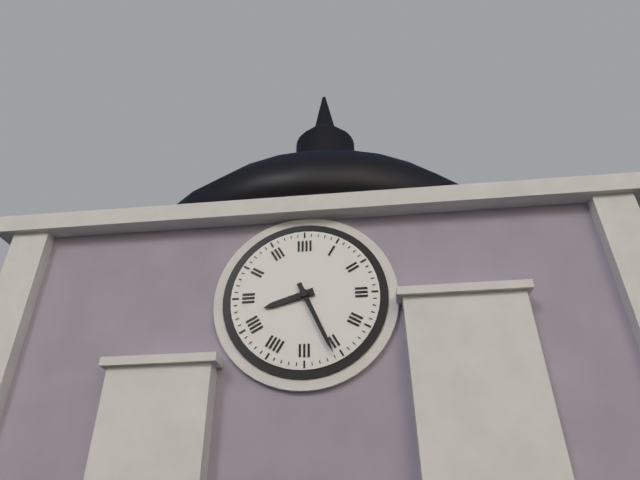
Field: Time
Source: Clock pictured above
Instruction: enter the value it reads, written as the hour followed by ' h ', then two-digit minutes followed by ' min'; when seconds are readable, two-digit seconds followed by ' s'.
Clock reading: 8 h 26 min
